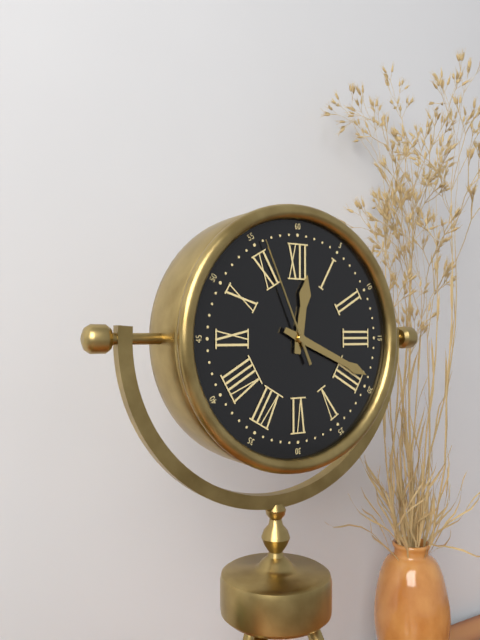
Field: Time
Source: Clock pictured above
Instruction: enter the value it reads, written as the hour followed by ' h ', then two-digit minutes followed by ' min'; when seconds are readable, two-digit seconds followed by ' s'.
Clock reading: 12 h 19 min 56 s
